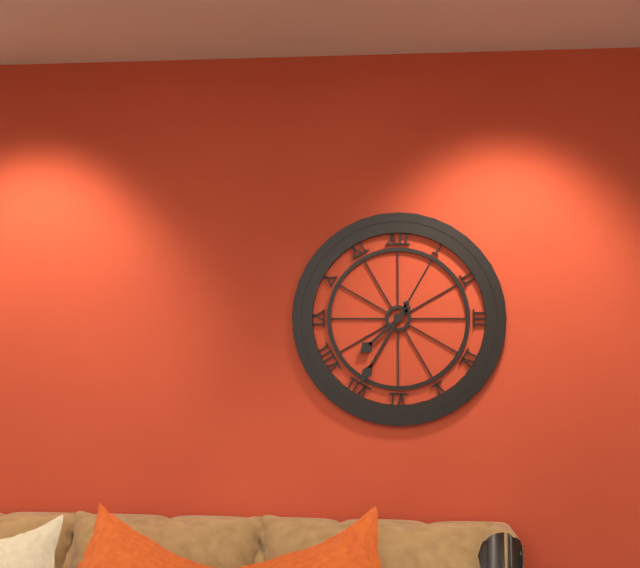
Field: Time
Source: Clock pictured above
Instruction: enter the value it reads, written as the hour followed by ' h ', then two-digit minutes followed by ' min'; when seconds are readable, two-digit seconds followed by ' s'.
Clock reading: 7 h 35 min
